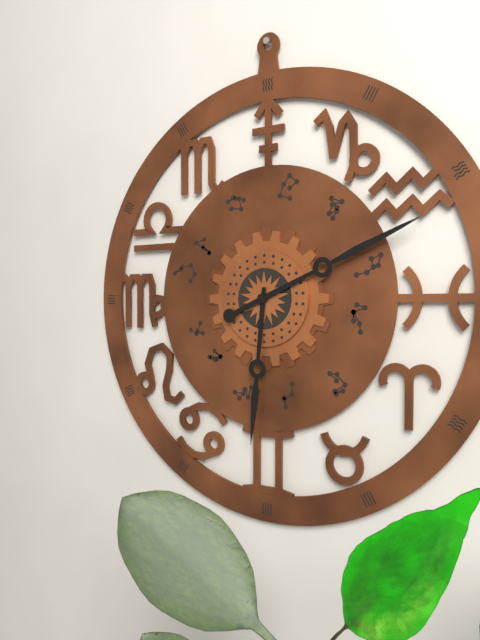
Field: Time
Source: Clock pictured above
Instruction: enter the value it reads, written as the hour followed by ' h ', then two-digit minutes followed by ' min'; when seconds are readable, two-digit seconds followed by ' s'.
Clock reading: 6 h 11 min
